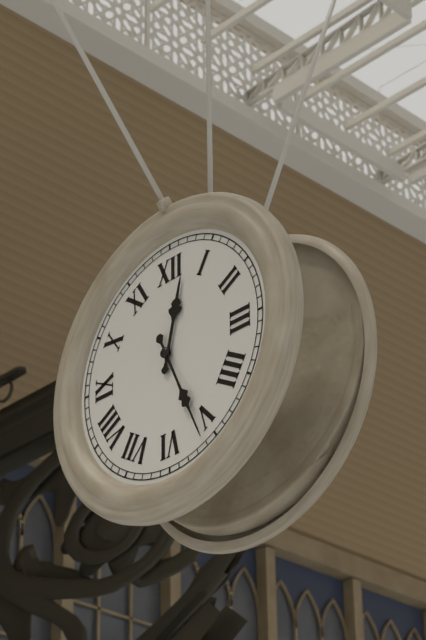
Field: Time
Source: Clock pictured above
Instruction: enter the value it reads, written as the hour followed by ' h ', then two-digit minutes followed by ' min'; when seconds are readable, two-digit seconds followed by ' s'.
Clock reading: 12 h 26 min
